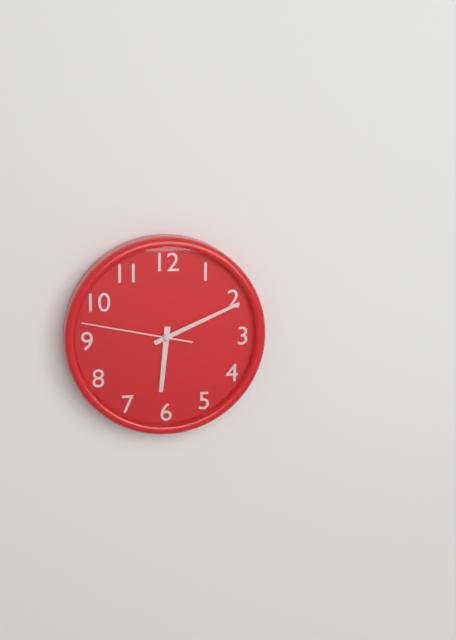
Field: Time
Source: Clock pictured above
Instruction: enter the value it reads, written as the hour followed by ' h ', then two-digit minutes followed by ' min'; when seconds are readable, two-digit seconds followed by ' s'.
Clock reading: 6 h 11 min 47 s
